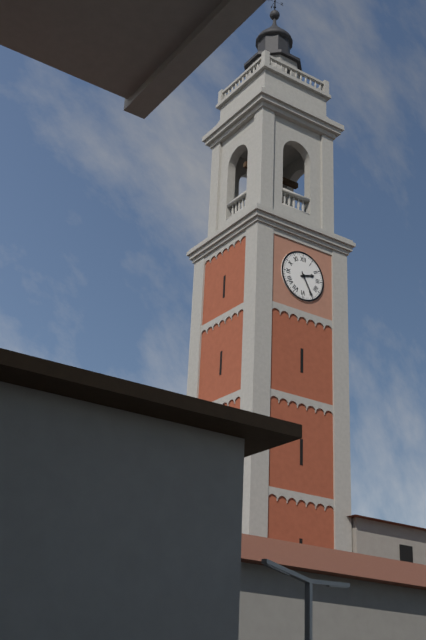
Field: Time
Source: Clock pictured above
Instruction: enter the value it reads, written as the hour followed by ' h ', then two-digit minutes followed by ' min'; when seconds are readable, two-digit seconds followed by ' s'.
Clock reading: 2 h 25 min
